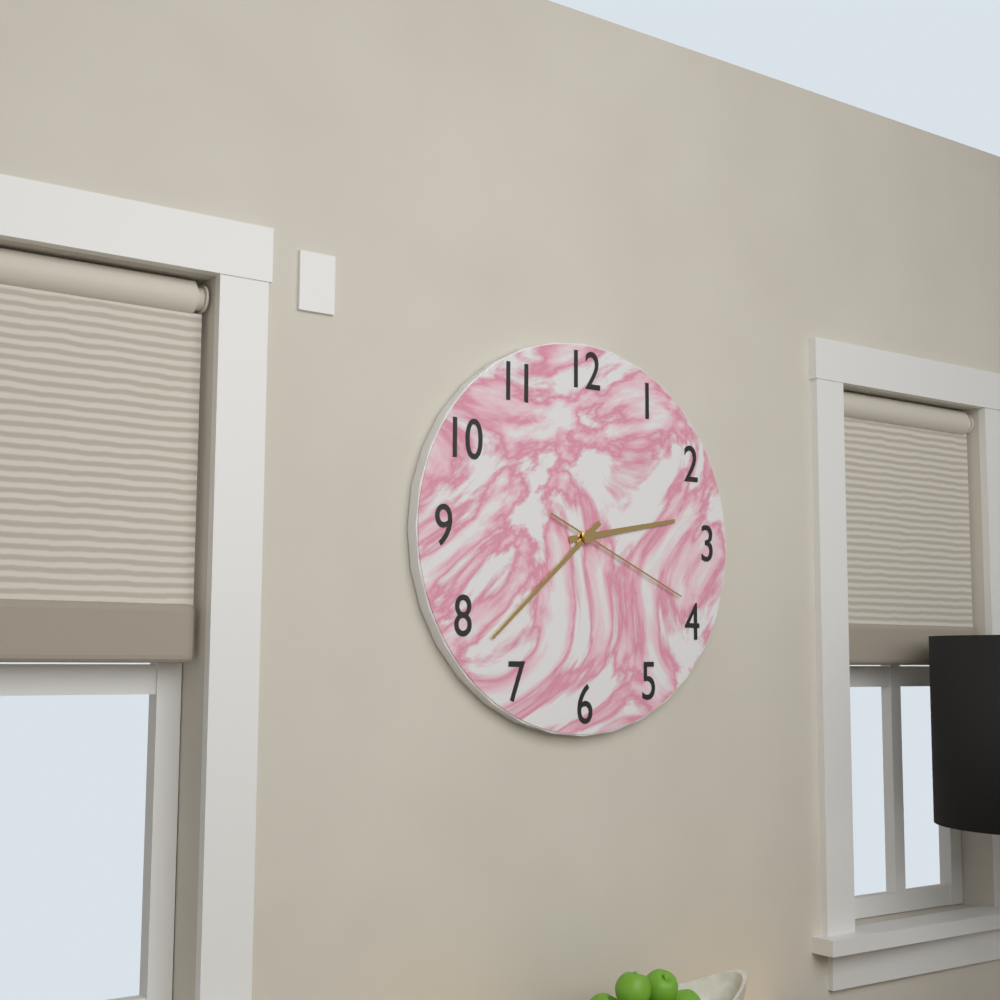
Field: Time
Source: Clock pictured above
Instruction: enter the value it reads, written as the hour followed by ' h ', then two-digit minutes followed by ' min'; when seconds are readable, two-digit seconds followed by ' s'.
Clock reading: 2 h 38 min 19 s
